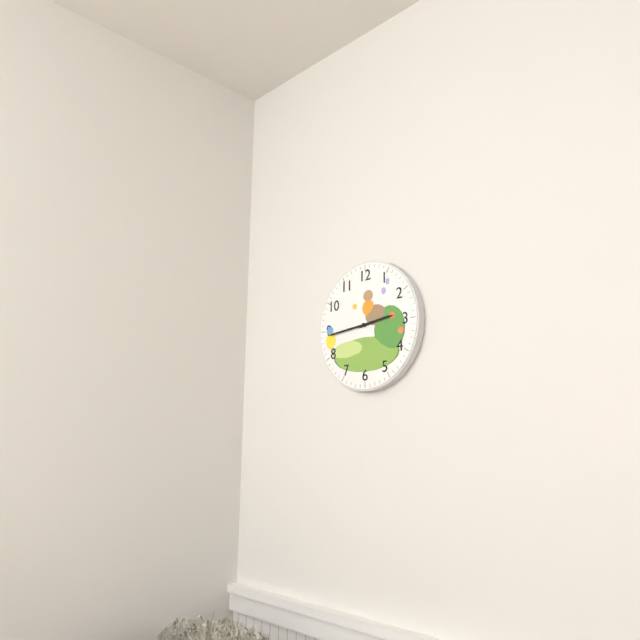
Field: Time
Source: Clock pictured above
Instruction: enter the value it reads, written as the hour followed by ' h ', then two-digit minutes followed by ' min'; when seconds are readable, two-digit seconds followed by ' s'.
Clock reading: 2 h 44 min
